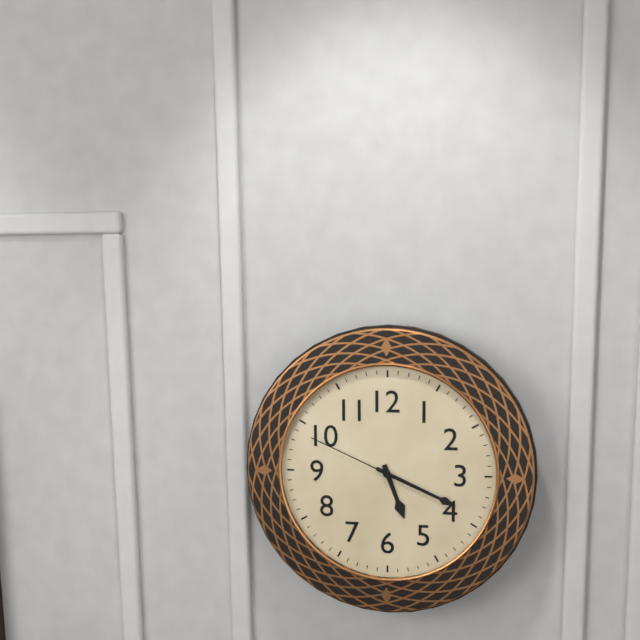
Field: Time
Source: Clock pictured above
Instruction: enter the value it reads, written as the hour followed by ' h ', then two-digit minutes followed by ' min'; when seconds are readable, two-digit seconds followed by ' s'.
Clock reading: 5 h 19 min 49 s
